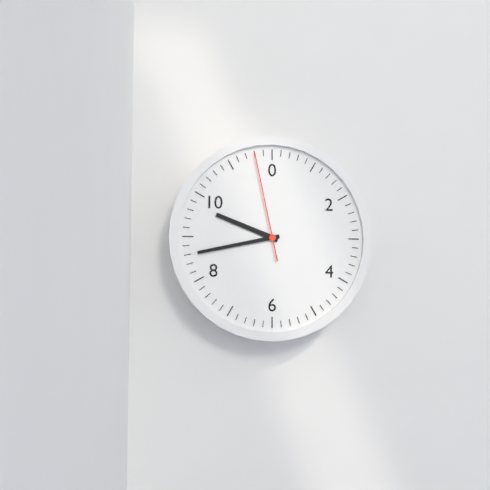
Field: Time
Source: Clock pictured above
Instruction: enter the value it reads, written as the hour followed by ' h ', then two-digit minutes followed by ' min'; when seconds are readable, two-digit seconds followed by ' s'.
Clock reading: 9 h 43 min 58 s
